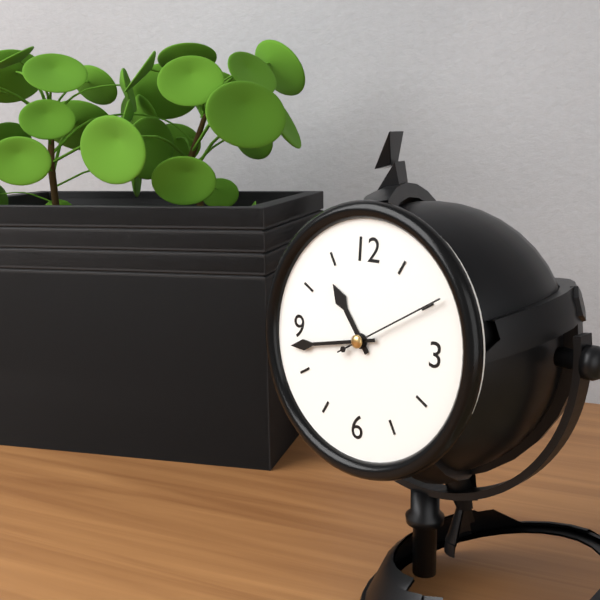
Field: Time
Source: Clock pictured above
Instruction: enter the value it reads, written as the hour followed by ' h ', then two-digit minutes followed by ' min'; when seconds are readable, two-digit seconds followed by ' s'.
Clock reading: 10 h 43 min 10 s
